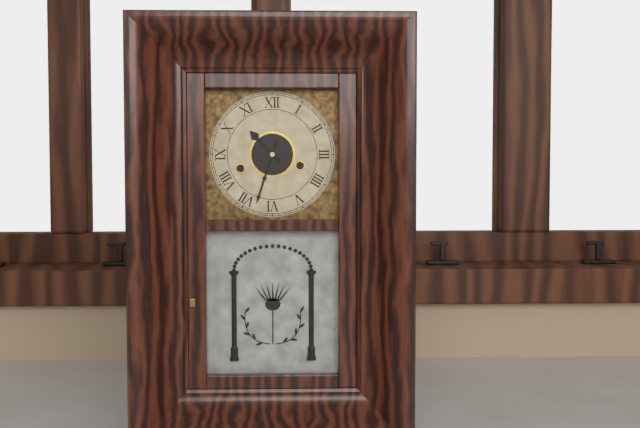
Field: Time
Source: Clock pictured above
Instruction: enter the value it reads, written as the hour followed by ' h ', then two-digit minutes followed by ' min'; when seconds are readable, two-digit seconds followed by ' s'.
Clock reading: 10 h 33 min
